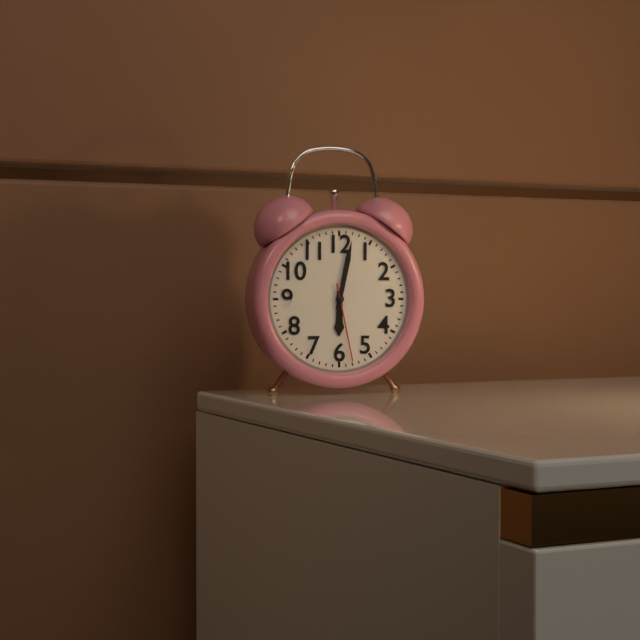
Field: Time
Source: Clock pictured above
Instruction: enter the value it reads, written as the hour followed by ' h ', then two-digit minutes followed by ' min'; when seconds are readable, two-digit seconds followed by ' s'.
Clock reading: 6 h 02 min 28 s
